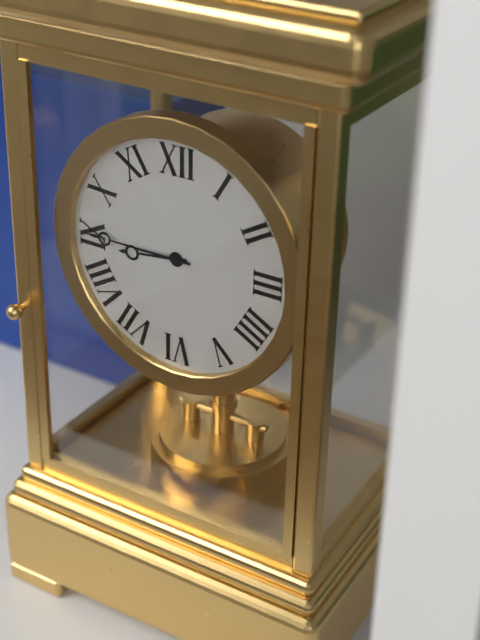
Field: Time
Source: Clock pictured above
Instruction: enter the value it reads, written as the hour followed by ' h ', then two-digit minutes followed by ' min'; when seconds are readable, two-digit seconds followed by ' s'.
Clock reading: 8 h 45 min
